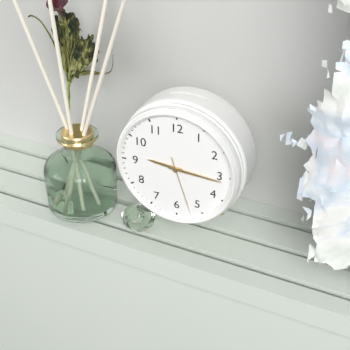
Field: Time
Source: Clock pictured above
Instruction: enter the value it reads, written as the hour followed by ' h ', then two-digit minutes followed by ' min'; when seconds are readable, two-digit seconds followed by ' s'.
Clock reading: 9 h 16 min 27 s
